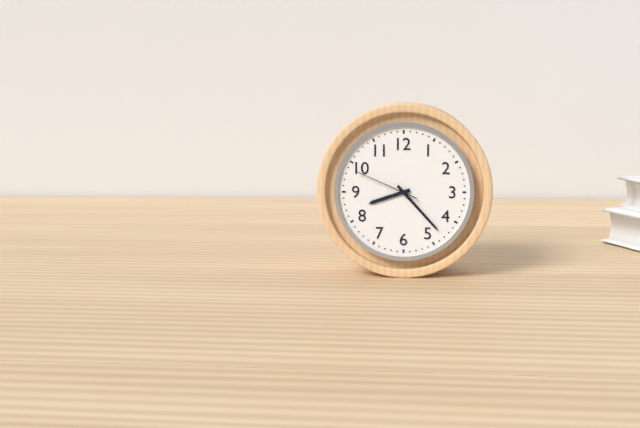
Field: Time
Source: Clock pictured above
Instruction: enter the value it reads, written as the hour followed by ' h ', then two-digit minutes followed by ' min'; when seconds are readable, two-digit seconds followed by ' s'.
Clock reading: 8 h 23 min 49 s
